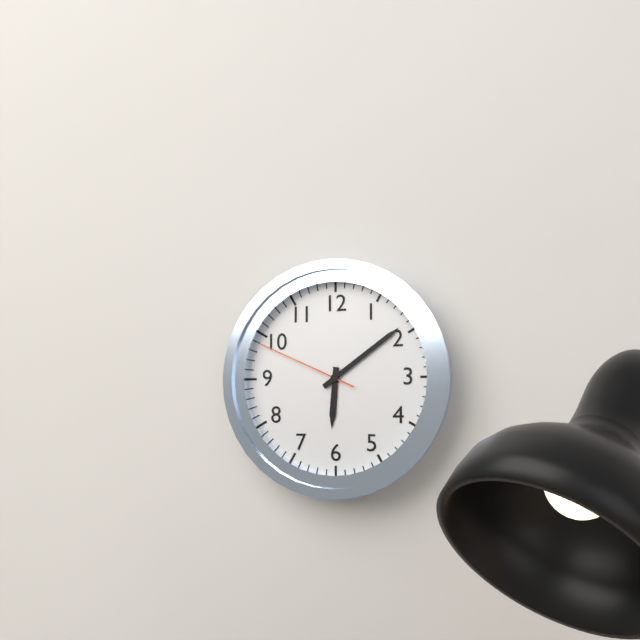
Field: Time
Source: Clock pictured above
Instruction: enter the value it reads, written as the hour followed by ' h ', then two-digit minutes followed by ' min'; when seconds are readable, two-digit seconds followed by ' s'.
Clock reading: 6 h 09 min 49 s
